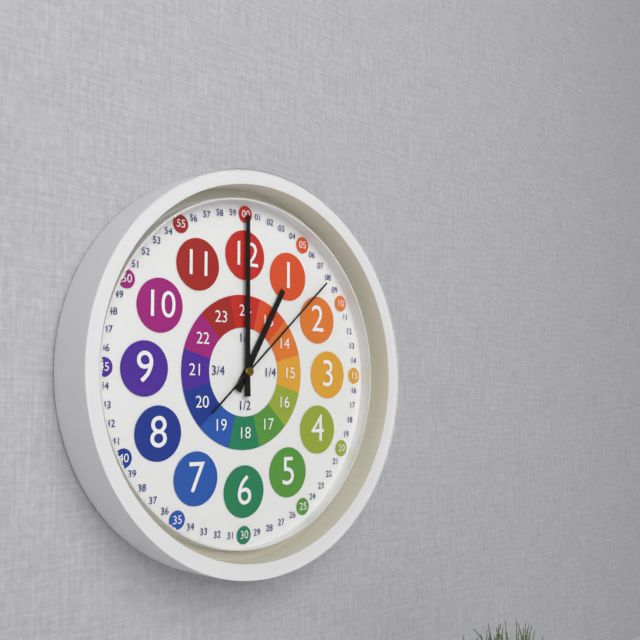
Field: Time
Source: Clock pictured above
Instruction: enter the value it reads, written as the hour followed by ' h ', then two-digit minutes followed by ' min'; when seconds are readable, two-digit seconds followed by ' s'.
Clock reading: 1 h 00 min 08 s
